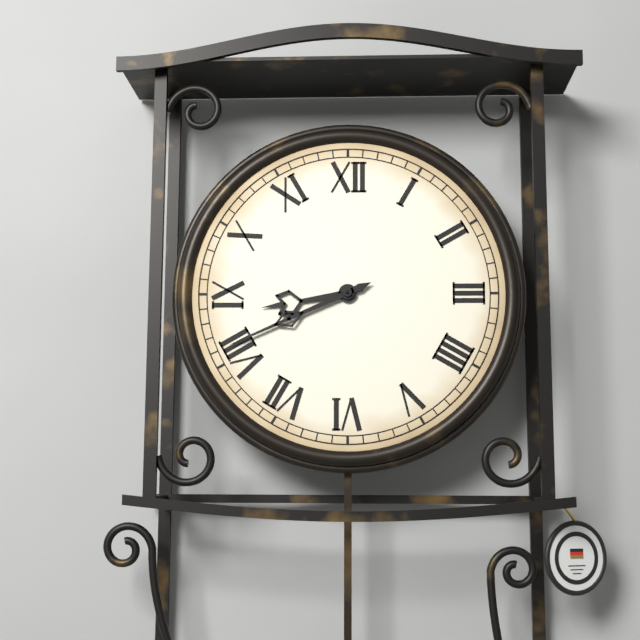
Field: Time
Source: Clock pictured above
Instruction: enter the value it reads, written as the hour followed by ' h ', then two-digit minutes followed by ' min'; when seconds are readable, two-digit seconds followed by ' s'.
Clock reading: 8 h 41 min
